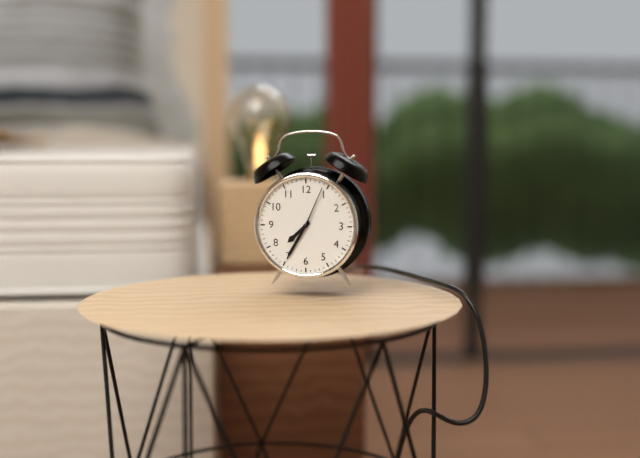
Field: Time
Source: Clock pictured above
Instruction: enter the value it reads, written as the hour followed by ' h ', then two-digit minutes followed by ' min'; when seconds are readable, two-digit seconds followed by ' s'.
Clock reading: 7 h 35 min 04 s
